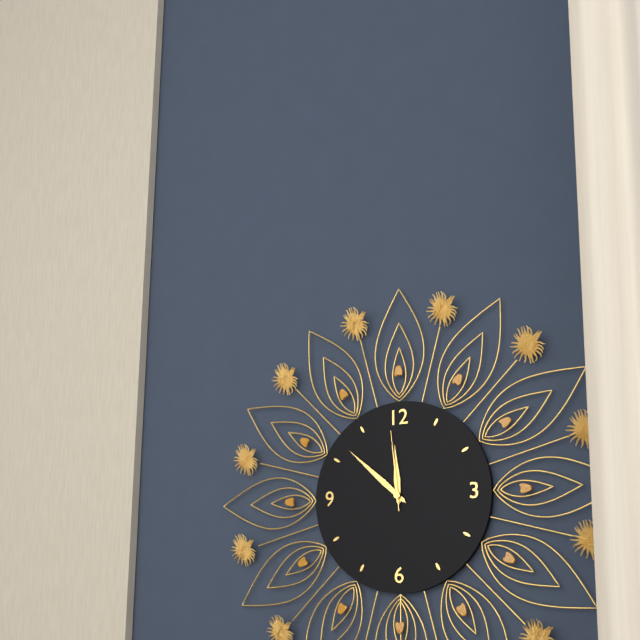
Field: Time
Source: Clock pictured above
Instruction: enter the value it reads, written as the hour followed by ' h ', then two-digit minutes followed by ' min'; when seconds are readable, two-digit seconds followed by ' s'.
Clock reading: 11 h 52 min 59 s
